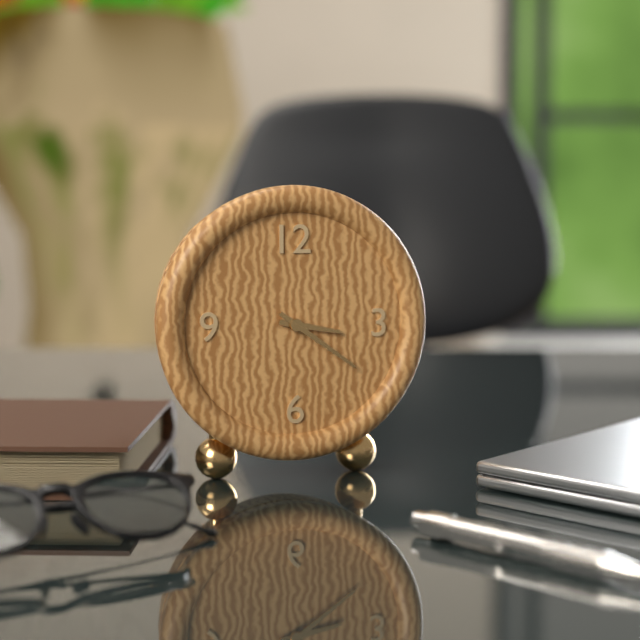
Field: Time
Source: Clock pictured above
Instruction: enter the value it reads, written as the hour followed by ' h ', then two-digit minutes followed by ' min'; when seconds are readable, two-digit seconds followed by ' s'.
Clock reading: 3 h 21 min
